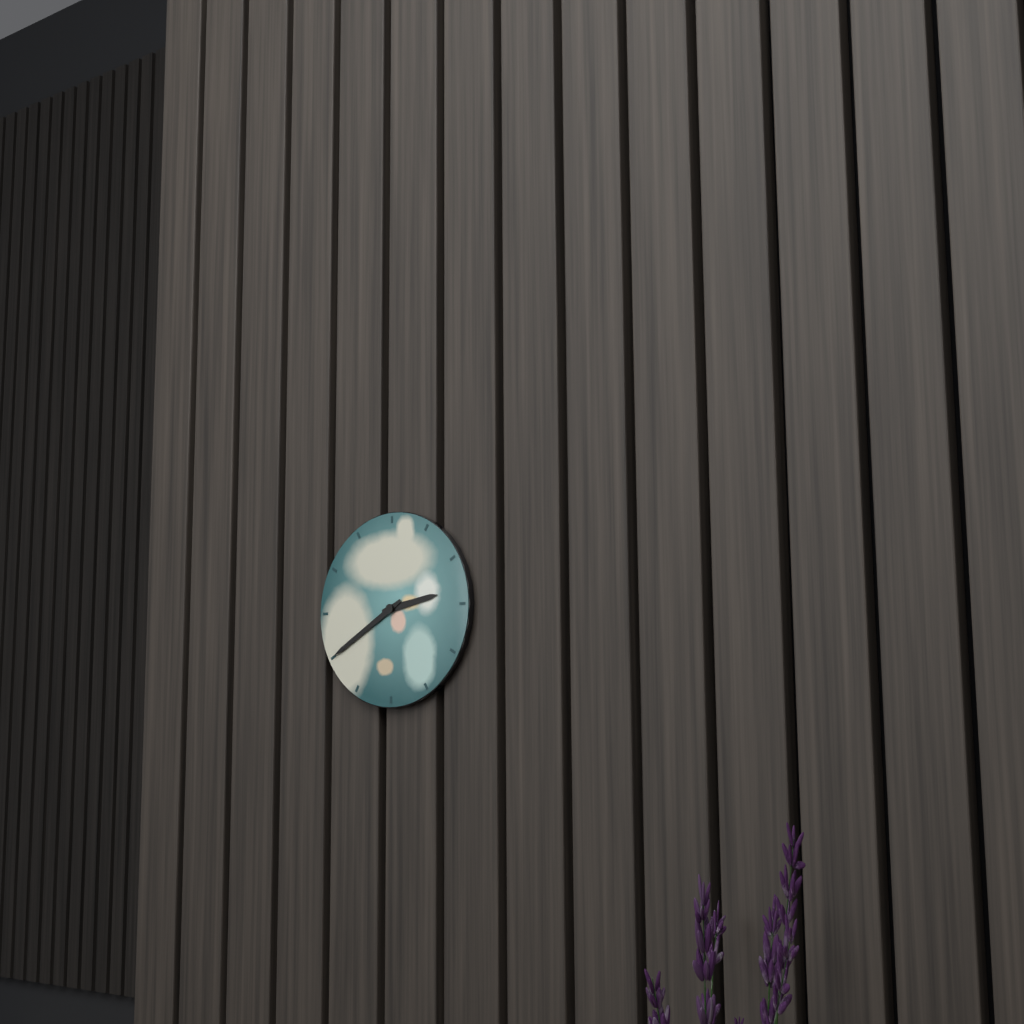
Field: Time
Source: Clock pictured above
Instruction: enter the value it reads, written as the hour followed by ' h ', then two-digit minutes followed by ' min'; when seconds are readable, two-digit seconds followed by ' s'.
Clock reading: 2 h 40 min
